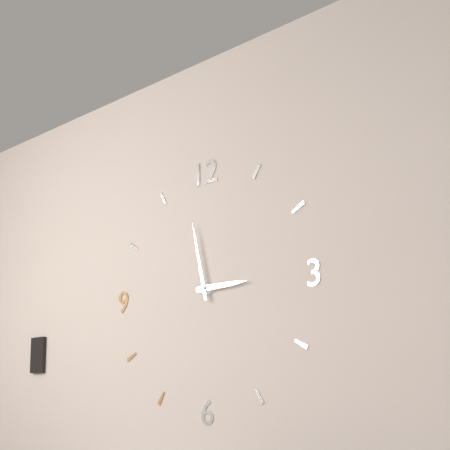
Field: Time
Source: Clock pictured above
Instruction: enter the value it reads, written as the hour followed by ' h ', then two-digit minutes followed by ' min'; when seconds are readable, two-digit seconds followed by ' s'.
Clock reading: 2 h 58 min
